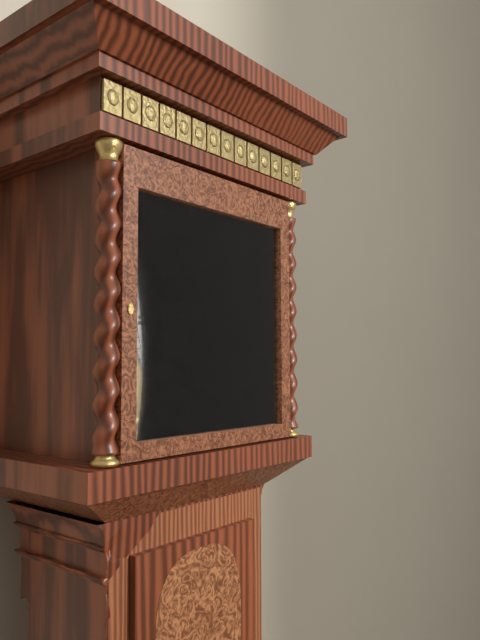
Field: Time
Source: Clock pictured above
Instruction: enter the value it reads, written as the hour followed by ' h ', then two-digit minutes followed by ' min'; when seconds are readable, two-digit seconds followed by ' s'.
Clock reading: 10 h 00 min
